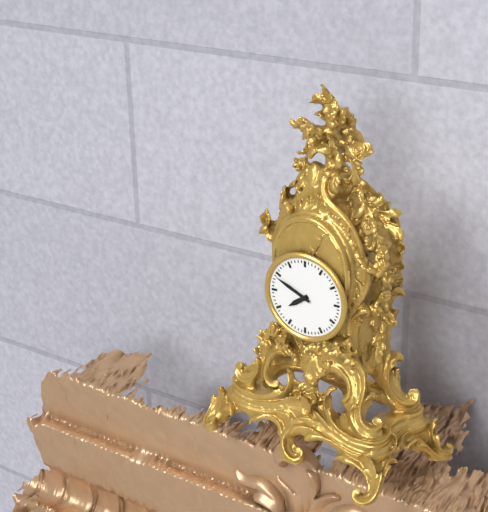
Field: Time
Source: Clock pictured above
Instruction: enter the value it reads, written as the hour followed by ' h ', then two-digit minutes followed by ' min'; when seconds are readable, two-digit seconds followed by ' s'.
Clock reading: 7 h 49 min
